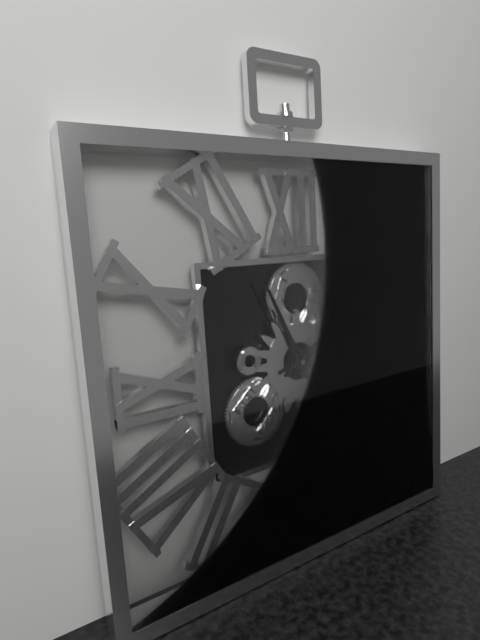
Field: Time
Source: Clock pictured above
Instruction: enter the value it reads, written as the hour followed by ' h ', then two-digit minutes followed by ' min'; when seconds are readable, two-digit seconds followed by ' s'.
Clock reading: 11 h 11 min
